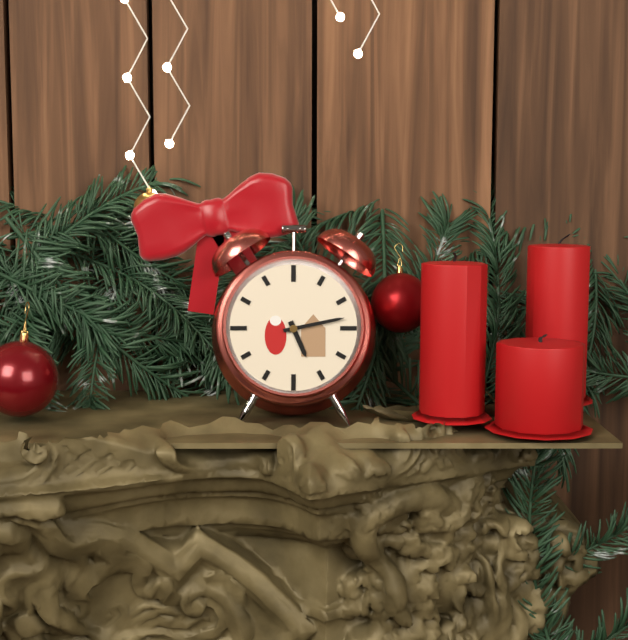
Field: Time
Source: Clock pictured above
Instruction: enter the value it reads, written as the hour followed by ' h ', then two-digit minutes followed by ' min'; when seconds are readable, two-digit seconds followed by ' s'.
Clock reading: 5 h 13 min
